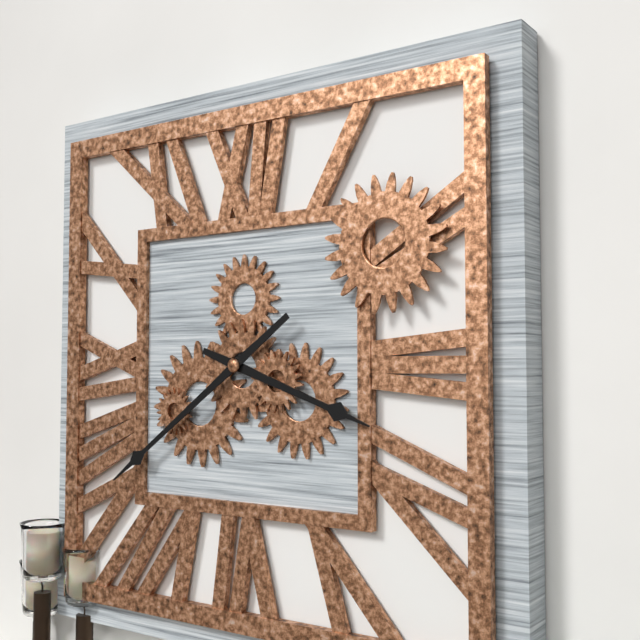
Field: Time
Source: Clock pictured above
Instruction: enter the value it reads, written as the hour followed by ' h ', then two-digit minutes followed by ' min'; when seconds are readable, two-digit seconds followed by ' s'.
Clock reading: 3 h 39 min
